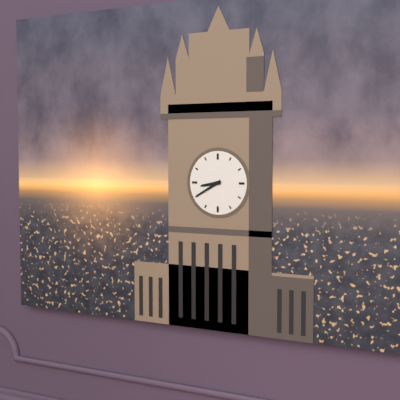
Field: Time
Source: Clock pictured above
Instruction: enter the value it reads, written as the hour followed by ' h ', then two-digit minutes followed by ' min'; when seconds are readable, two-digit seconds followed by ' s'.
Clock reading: 8 h 40 min
